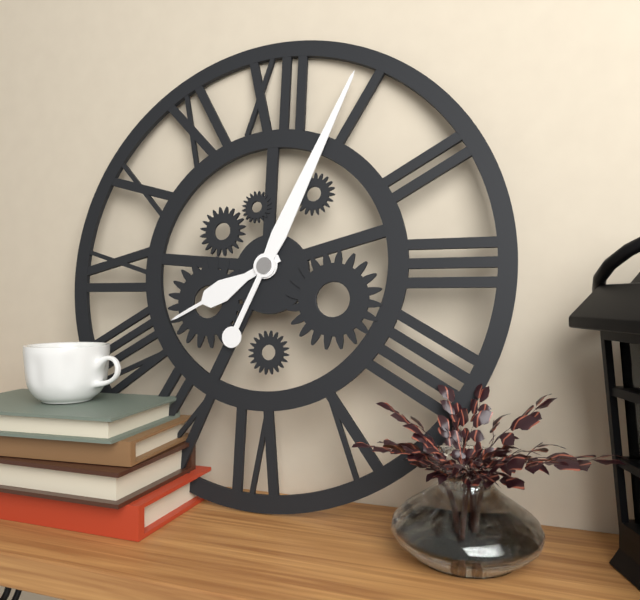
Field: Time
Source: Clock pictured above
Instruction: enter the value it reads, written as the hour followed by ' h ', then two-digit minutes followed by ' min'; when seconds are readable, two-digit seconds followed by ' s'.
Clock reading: 8 h 04 min
